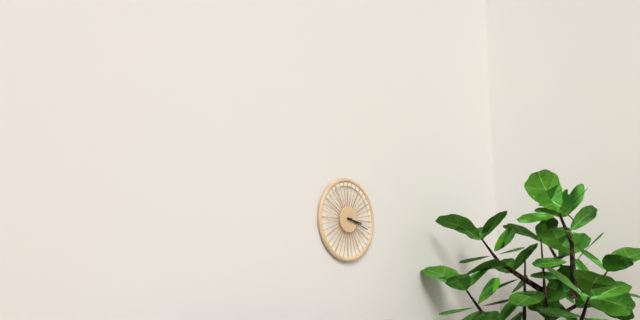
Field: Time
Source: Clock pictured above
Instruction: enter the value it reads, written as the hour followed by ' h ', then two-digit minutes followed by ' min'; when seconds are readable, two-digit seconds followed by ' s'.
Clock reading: 3 h 18 min
